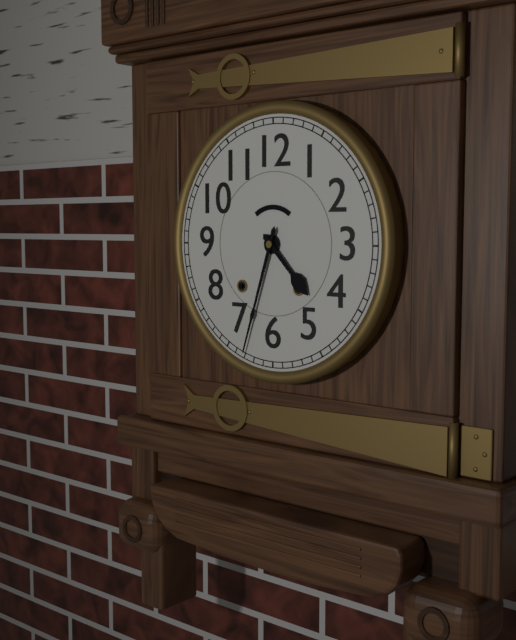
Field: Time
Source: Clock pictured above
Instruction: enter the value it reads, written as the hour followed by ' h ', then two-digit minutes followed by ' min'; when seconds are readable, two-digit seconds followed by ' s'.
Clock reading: 4 h 33 min
